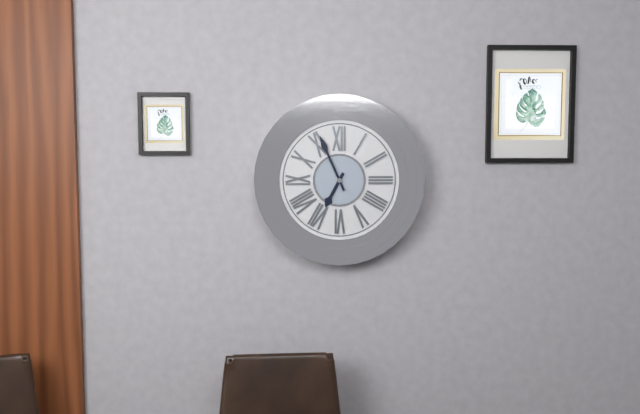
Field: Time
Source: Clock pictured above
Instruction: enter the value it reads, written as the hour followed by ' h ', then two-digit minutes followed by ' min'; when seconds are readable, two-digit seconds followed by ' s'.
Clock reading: 6 h 56 min
